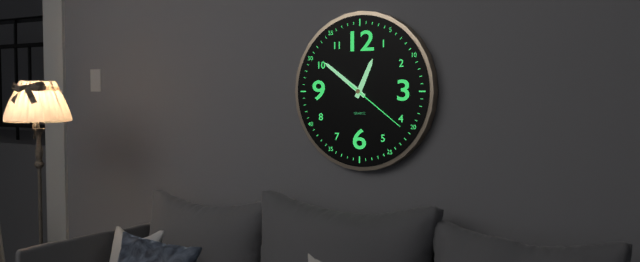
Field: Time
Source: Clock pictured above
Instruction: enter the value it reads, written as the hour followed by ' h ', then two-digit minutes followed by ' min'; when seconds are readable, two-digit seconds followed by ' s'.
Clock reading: 12 h 51 min 21 s
